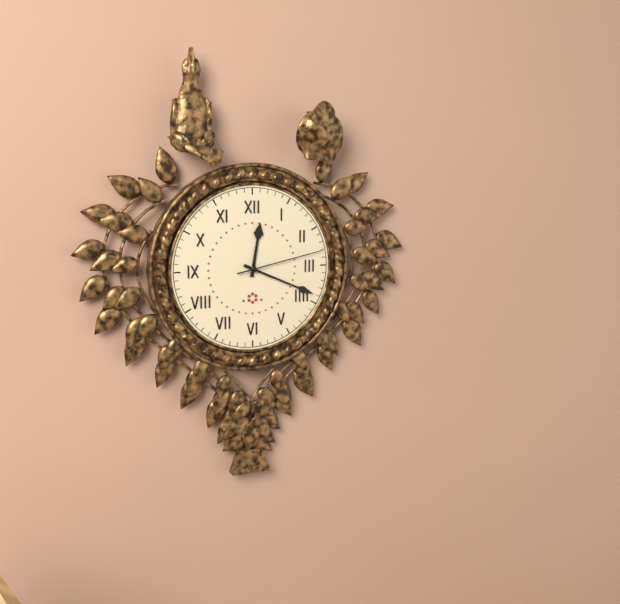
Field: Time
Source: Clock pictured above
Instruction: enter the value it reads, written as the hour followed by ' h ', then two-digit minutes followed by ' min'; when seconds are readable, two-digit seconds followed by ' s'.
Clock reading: 12 h 19 min 13 s
